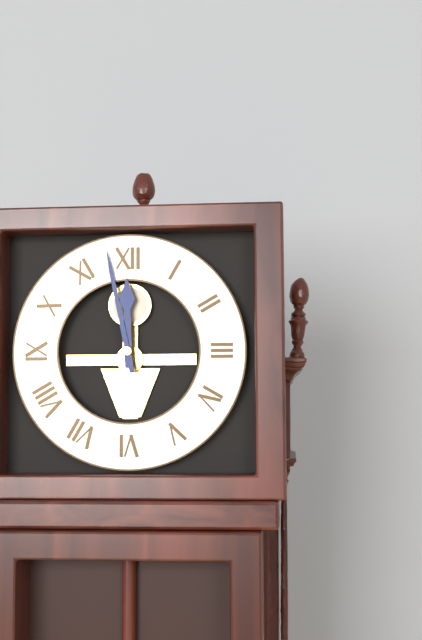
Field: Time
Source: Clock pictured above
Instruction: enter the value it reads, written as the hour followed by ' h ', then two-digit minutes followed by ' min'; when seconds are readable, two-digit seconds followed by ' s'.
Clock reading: 11 h 58 min
